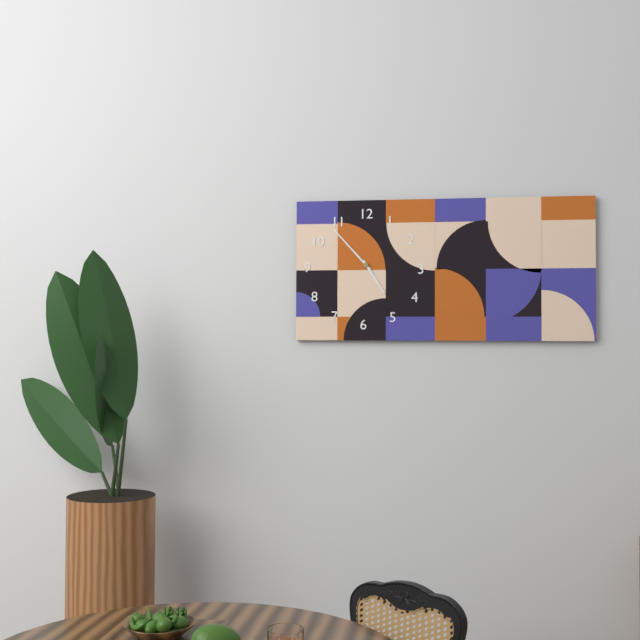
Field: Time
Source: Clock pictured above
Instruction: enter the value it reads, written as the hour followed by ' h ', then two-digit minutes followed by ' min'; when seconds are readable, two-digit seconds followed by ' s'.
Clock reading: 4 h 53 min 53 s
